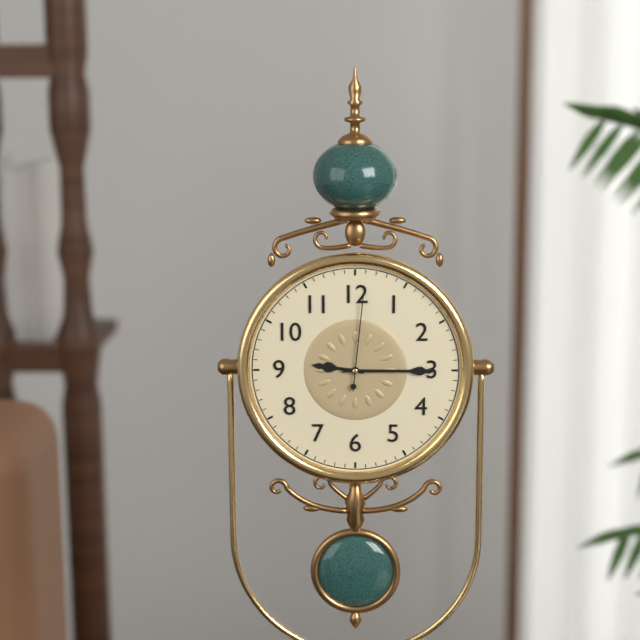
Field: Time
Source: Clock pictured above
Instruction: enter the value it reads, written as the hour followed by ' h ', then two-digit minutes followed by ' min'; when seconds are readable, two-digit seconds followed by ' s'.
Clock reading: 9 h 15 min 01 s
